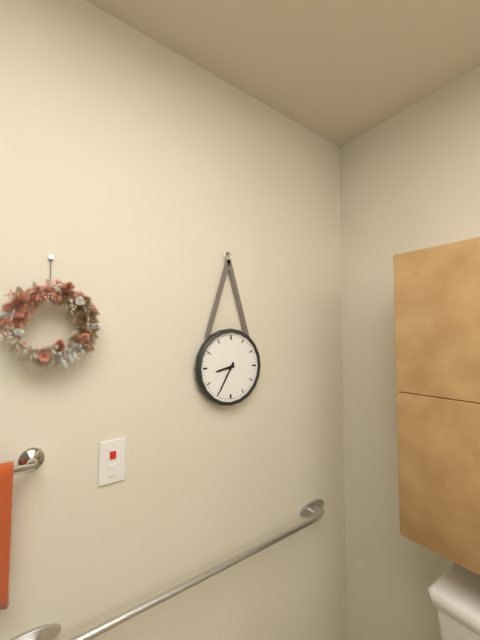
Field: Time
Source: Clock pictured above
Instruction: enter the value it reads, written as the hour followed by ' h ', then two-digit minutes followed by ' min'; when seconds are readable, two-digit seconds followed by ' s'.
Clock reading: 8 h 35 min
